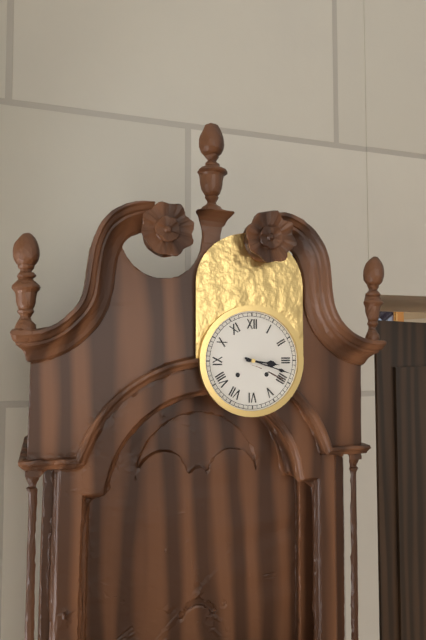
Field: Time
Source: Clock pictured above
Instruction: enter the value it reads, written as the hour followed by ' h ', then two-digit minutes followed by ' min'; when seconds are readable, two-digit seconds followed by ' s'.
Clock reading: 3 h 18 min
